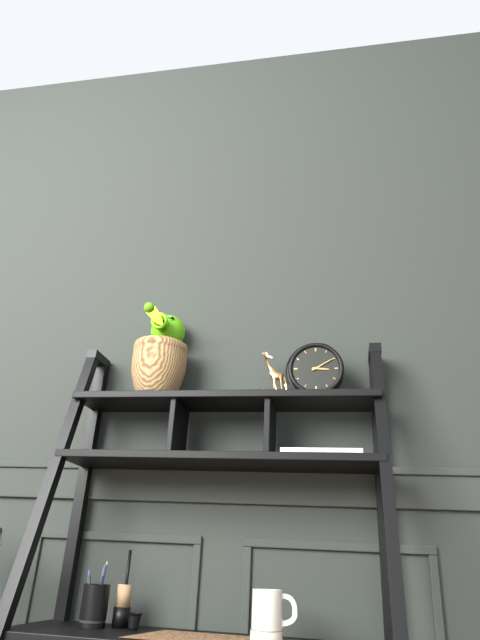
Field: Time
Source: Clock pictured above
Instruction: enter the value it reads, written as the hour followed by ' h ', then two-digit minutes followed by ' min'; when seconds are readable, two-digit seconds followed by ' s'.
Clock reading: 3 h 10 min
